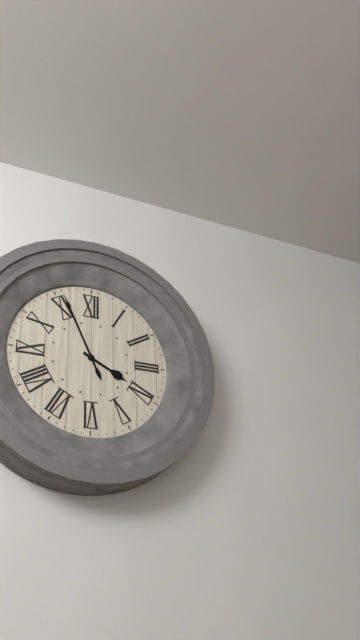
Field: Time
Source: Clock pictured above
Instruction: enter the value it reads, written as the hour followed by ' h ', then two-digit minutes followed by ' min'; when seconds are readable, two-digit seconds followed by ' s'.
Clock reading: 3 h 56 min
